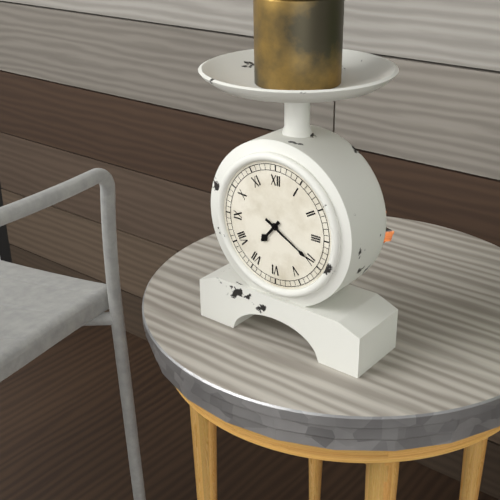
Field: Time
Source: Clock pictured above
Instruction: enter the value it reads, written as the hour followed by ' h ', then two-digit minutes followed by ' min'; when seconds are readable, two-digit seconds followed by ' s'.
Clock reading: 7 h 20 min
